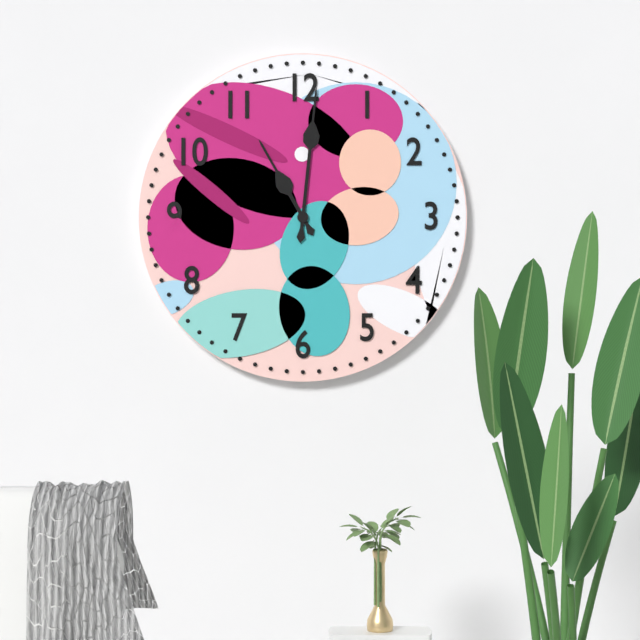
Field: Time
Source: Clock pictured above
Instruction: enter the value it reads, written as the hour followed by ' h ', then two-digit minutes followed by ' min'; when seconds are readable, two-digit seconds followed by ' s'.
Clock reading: 11 h 01 min
